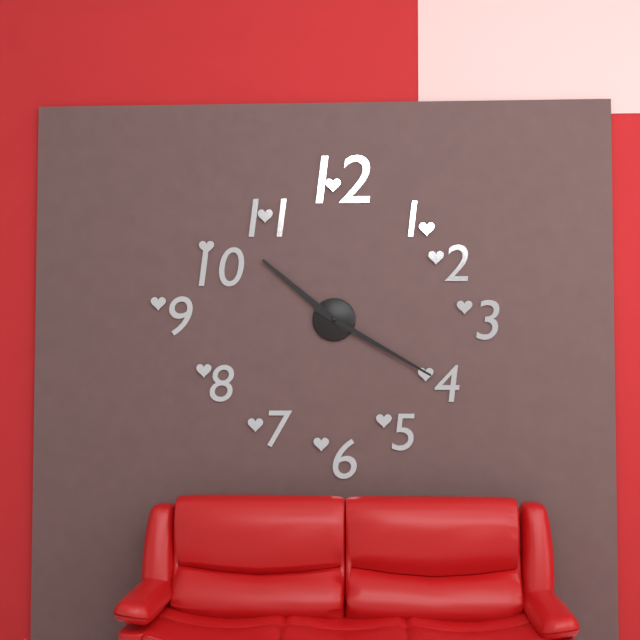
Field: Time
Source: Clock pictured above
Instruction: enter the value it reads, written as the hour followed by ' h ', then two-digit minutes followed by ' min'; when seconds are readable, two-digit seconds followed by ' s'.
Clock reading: 10 h 20 min
